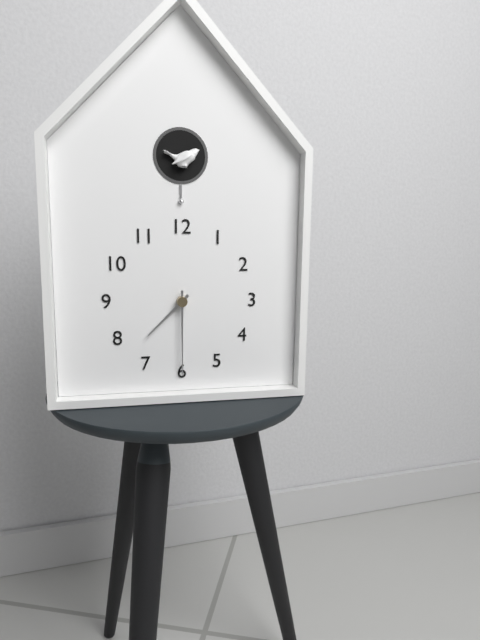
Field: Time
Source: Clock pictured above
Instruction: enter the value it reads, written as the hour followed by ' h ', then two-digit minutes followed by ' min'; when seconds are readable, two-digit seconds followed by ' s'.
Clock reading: 7 h 30 min
